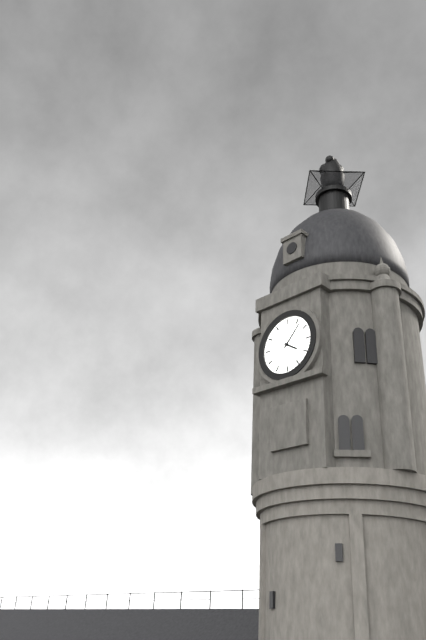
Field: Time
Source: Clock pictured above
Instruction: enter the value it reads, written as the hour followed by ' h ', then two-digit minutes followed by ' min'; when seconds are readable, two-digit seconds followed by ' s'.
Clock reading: 4 h 07 min
